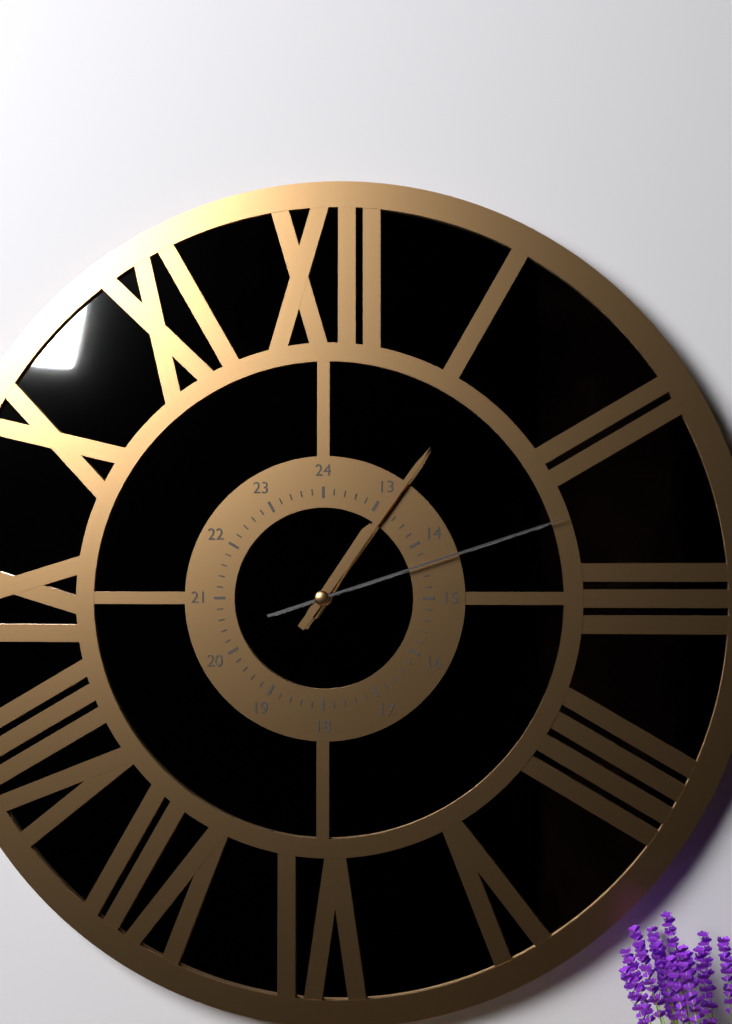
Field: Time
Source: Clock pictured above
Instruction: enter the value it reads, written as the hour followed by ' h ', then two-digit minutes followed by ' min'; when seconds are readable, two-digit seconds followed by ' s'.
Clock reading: 1 h 06 min 12 s
